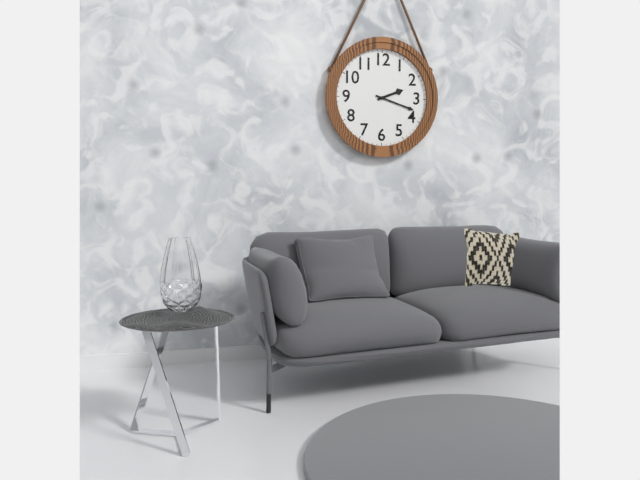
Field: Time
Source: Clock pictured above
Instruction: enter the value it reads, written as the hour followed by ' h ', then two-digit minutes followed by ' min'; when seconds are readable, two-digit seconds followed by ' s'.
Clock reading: 2 h 18 min
